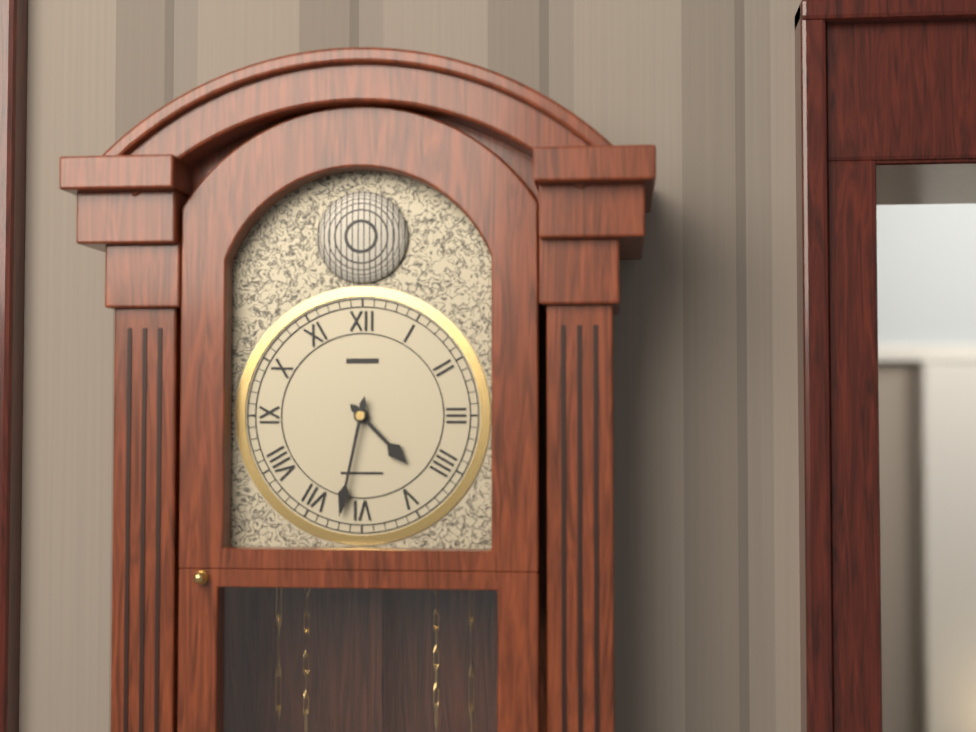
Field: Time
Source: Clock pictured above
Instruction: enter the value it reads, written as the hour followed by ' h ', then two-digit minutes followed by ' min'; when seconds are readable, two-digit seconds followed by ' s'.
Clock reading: 4 h 32 min
